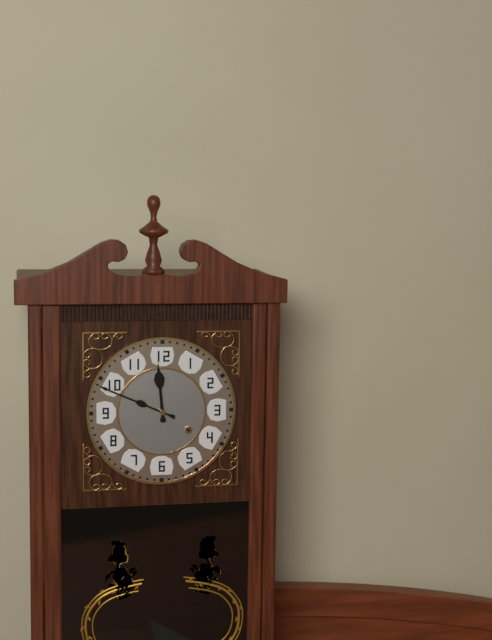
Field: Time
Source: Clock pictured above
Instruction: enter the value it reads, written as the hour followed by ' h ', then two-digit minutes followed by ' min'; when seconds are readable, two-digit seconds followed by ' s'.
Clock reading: 11 h 49 min
